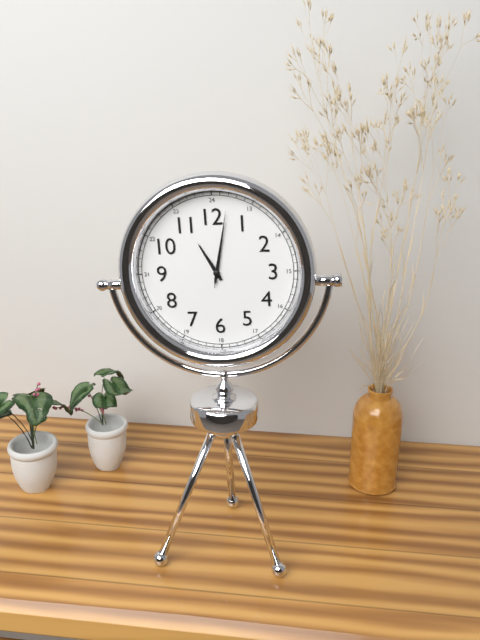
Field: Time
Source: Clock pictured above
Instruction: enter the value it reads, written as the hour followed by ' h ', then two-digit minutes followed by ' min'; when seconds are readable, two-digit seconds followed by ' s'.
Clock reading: 11 h 02 min 02 s
